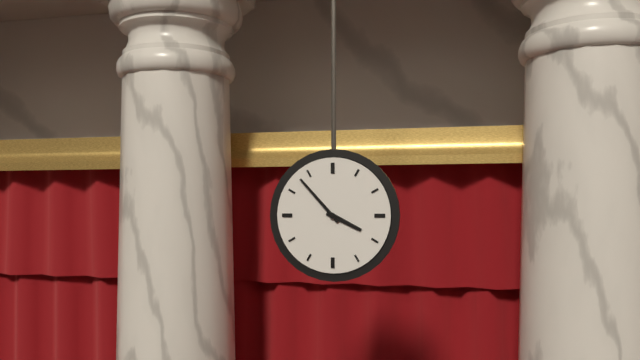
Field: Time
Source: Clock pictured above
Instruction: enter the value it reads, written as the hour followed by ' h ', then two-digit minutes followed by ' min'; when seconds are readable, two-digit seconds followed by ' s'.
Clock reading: 3 h 53 min
